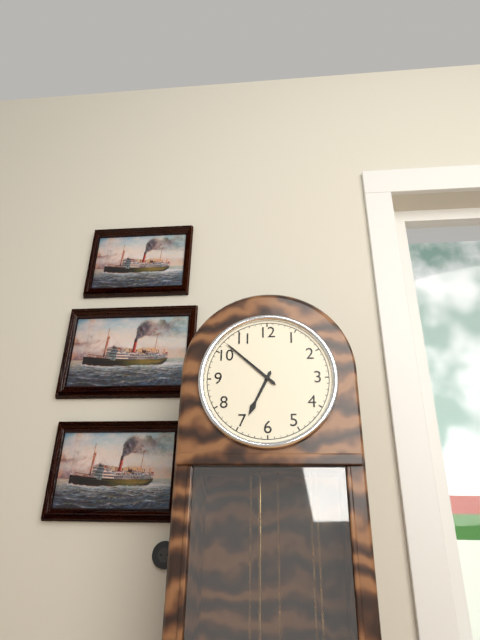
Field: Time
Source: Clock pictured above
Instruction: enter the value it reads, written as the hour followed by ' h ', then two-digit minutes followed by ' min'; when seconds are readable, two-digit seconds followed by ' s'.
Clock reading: 6 h 52 min
